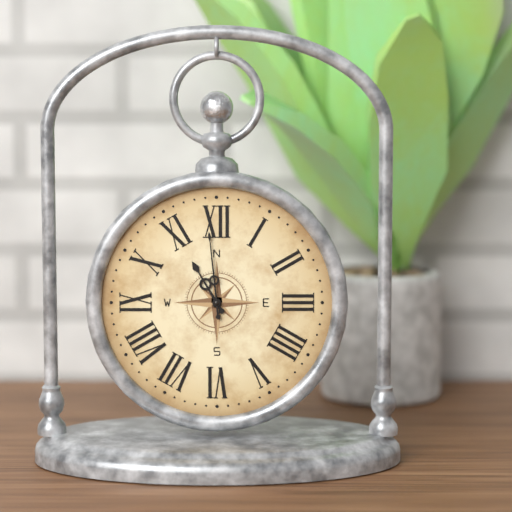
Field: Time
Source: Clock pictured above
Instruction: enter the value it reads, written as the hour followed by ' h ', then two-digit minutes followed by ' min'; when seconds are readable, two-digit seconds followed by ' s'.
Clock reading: 10 h 59 min
